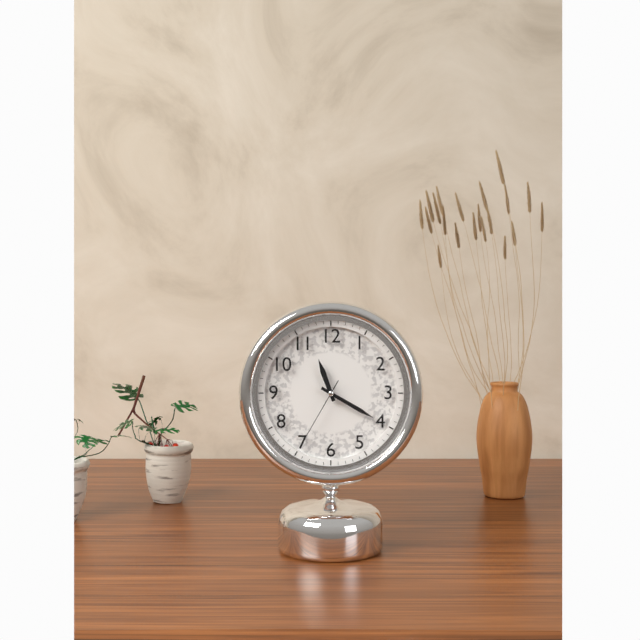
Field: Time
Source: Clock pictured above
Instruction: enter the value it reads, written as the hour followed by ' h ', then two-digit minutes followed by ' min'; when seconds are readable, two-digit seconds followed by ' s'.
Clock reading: 11 h 20 min 35 s
